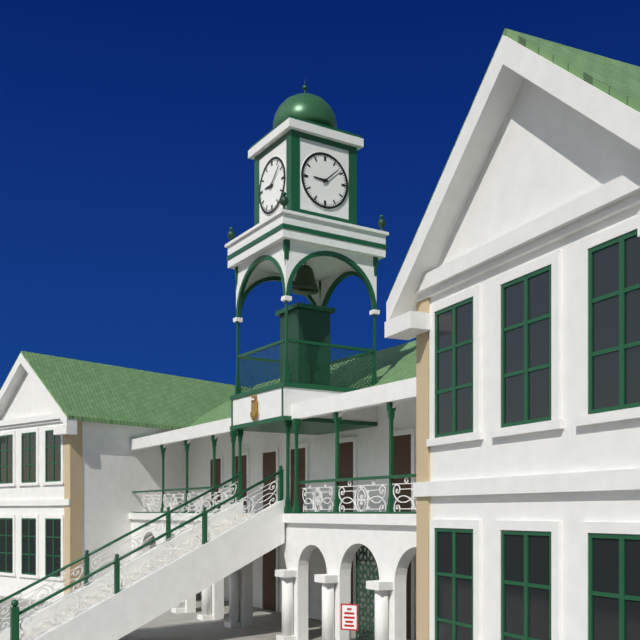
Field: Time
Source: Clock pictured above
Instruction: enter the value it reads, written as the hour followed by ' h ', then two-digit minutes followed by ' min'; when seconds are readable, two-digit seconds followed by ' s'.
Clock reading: 9 h 08 min
